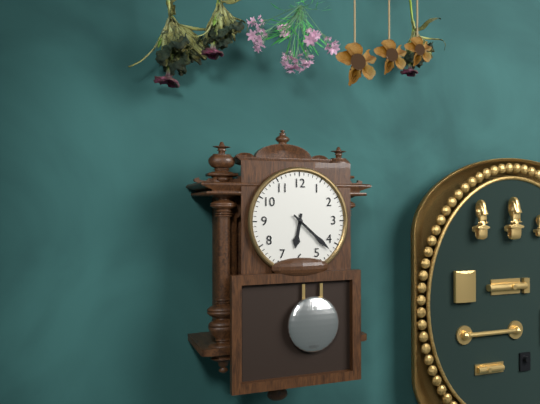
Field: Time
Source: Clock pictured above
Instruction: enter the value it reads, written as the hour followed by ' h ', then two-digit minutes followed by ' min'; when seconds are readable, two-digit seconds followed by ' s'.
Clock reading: 6 h 22 min
